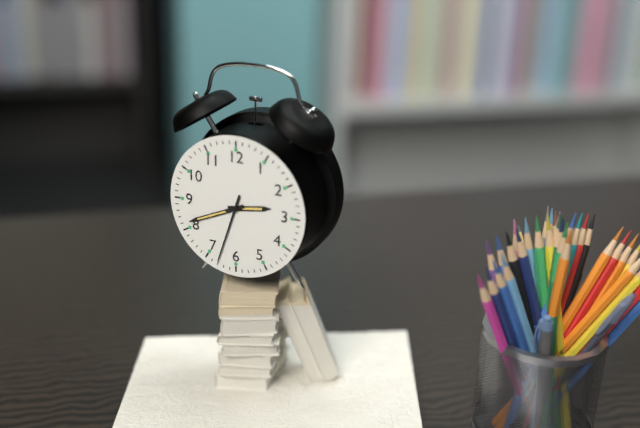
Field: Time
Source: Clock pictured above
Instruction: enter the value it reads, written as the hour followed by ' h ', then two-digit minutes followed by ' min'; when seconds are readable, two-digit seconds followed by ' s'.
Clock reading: 2 h 41 min 33 s
